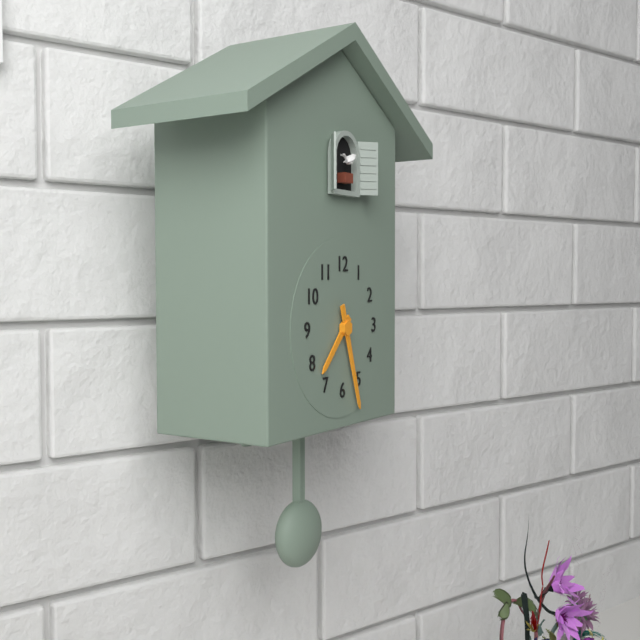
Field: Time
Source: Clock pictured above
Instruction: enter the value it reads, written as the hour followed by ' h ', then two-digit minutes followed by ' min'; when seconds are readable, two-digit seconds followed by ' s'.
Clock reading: 7 h 27 min
